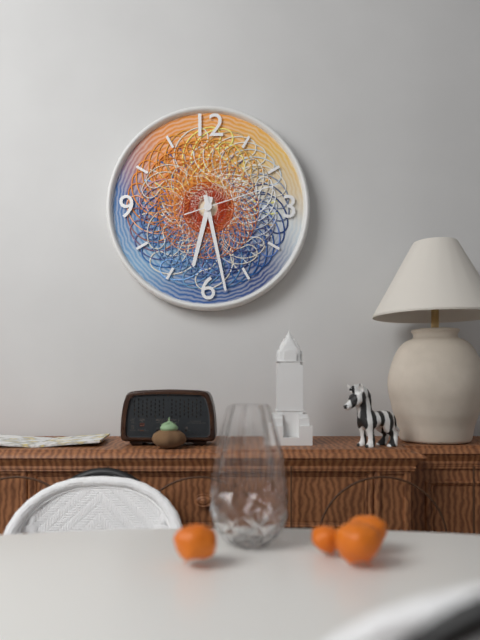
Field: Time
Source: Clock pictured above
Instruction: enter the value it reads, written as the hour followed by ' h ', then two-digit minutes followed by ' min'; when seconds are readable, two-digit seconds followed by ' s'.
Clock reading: 6 h 28 min 12 s
